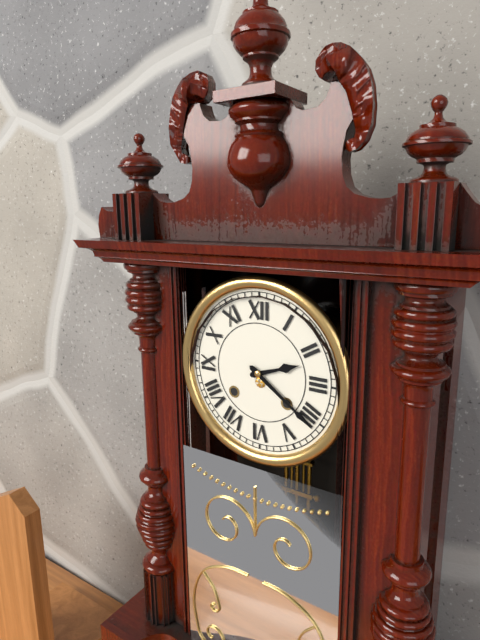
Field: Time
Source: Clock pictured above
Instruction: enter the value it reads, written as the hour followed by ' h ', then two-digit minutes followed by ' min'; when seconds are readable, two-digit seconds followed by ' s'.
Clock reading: 2 h 21 min
